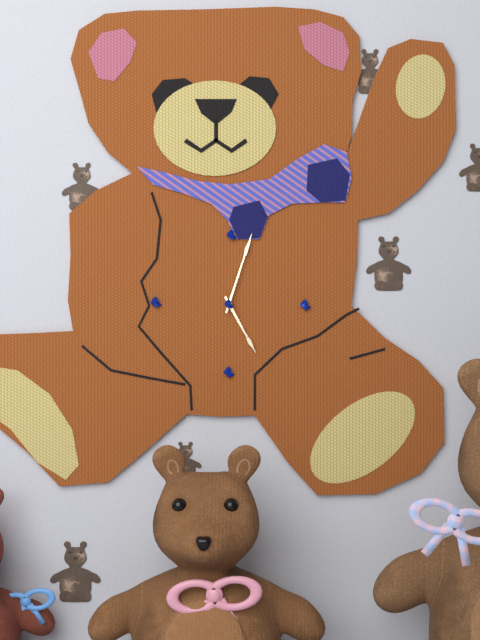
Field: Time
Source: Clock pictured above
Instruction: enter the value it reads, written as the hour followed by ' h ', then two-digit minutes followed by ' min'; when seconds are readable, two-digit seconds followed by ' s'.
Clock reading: 5 h 03 min
